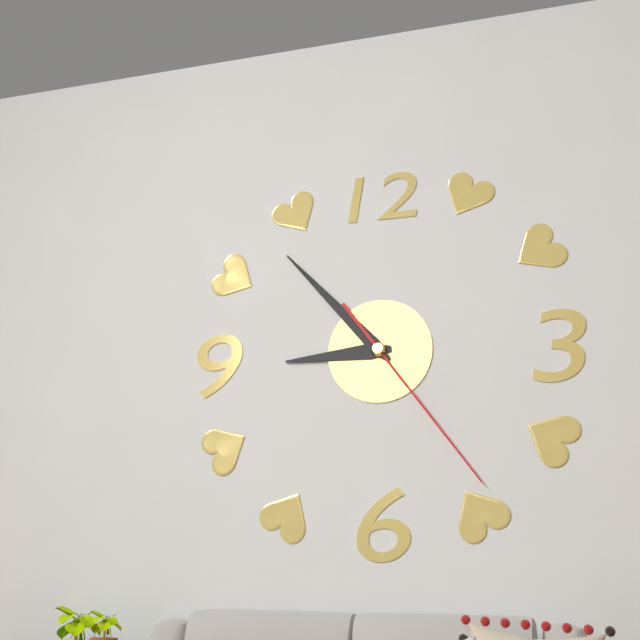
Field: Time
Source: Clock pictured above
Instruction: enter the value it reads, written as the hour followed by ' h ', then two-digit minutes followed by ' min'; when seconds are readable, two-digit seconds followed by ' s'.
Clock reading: 8 h 53 min 24 s
